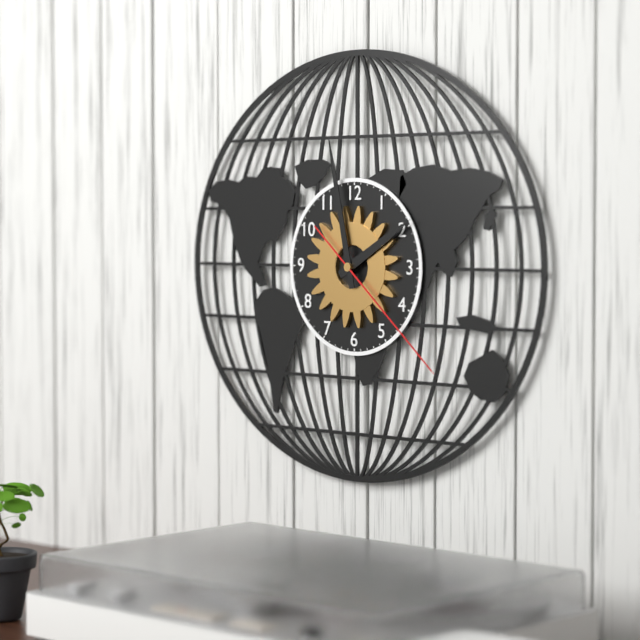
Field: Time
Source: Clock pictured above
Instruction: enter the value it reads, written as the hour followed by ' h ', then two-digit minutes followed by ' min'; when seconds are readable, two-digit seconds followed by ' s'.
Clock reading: 1 h 58 min 22 s
